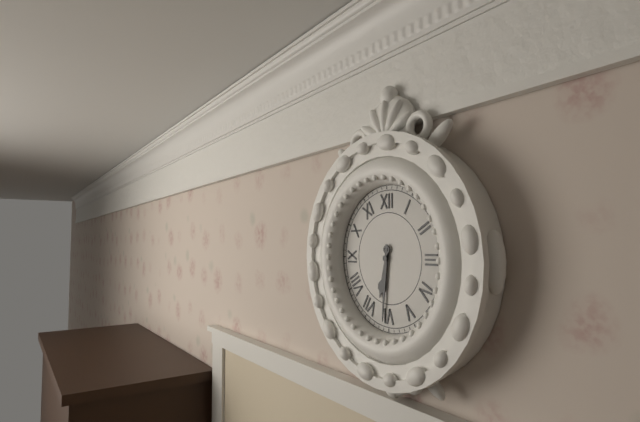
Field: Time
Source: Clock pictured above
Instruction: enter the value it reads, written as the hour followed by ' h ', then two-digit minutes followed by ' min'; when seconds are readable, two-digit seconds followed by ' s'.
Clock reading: 6 h 31 min
